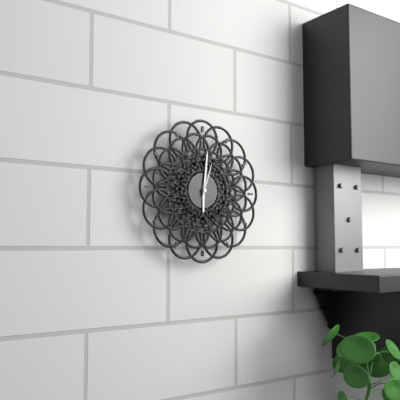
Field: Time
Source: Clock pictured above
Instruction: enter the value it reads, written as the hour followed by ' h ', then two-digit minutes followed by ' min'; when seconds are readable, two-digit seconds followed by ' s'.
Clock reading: 6 h 01 min
